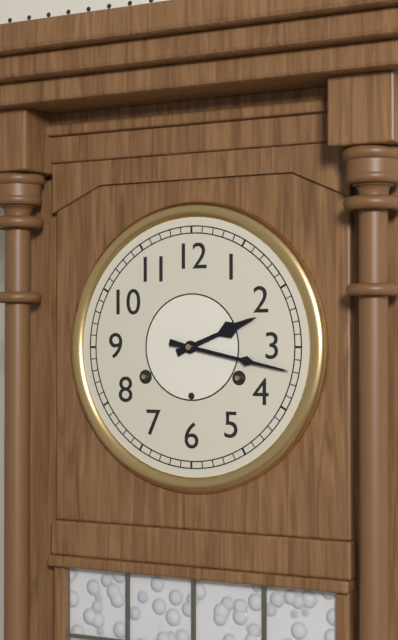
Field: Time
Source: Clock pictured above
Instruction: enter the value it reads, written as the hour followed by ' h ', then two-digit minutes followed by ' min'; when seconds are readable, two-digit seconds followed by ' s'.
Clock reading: 2 h 17 min
